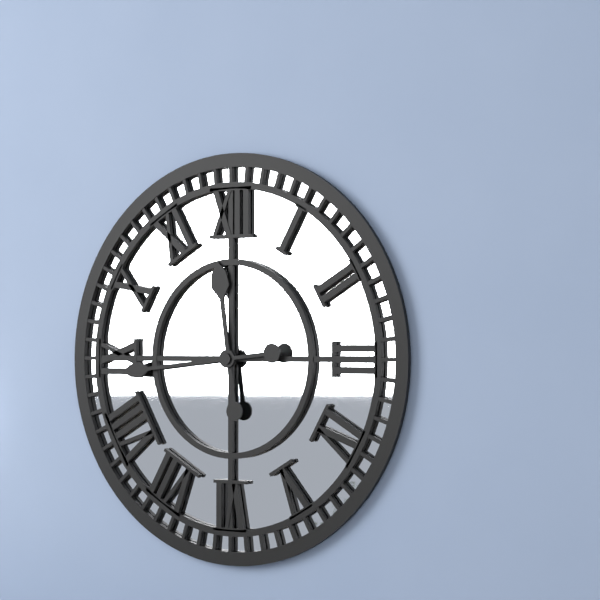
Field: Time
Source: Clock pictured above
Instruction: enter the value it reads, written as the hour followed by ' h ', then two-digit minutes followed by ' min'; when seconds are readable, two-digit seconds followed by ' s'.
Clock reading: 11 h 44 min
